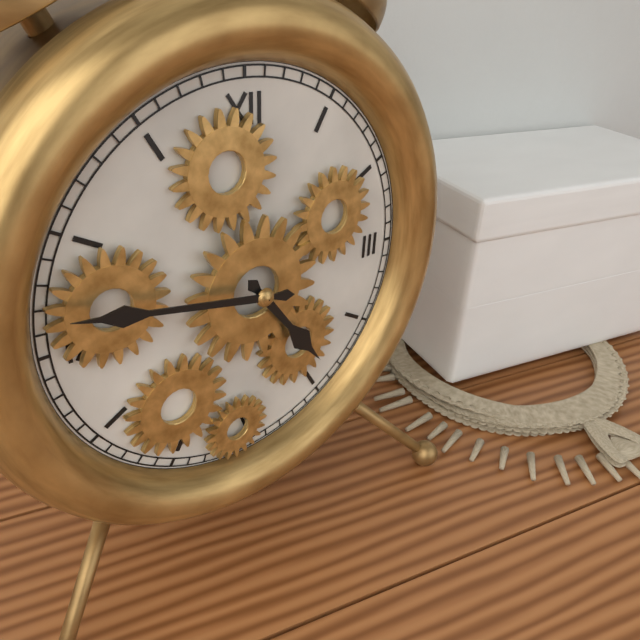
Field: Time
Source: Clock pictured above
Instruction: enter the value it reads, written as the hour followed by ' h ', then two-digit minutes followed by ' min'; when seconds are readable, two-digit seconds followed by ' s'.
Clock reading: 4 h 47 min
